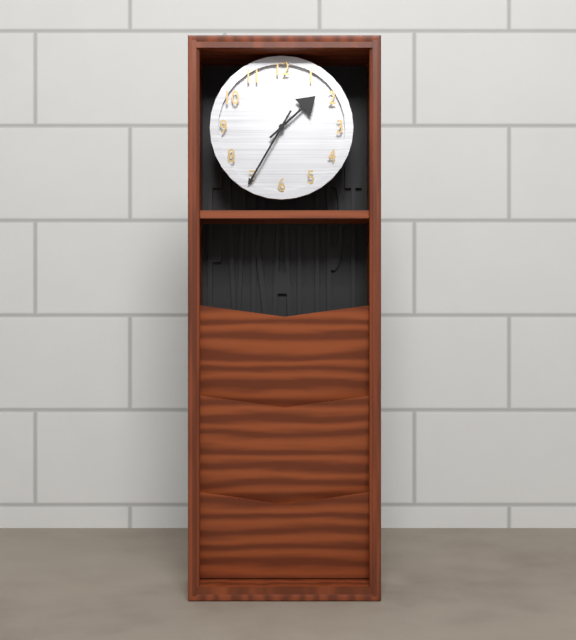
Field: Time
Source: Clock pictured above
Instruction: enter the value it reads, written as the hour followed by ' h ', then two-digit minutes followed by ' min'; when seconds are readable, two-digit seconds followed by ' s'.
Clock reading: 1 h 35 min
